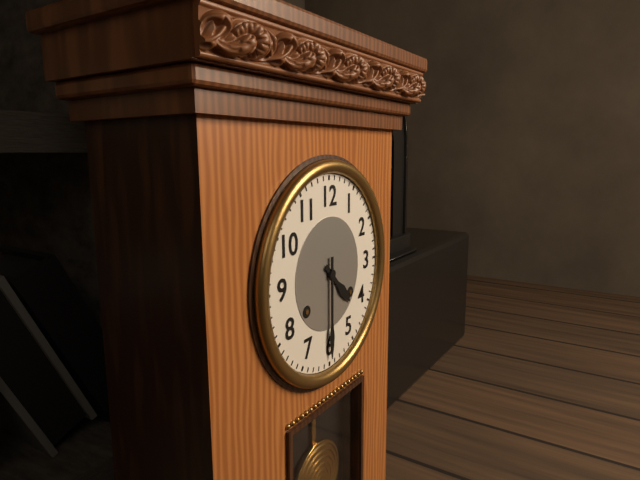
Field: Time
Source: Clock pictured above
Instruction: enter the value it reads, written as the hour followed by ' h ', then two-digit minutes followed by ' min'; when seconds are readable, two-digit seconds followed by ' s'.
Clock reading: 4 h 30 min
